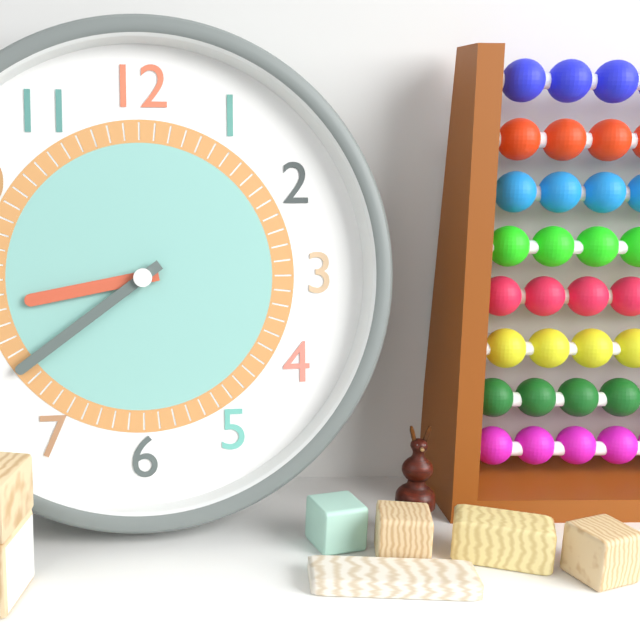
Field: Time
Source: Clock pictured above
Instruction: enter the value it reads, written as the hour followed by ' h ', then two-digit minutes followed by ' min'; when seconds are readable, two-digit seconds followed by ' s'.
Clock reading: 8 h 39 min
